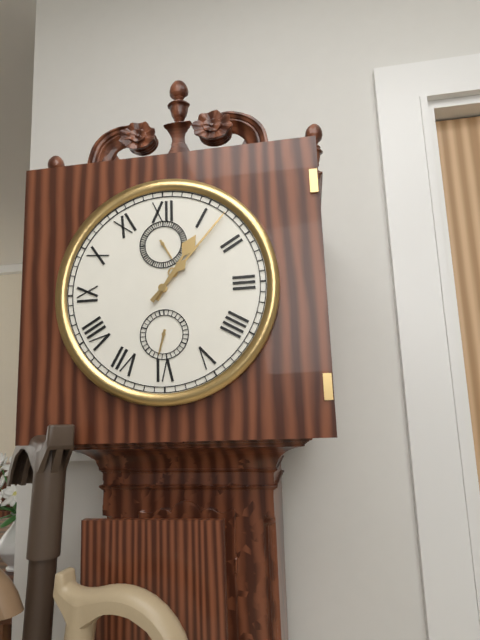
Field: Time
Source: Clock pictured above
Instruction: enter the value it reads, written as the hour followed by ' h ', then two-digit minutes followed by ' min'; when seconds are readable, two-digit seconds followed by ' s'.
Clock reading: 1 h 07 min
